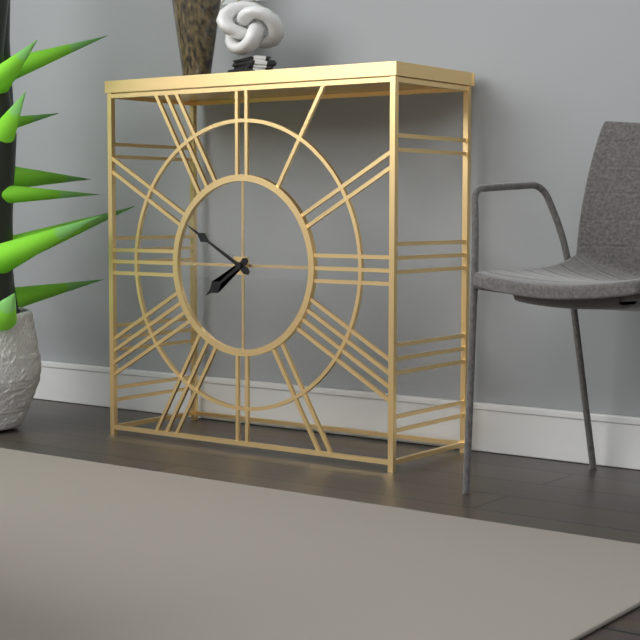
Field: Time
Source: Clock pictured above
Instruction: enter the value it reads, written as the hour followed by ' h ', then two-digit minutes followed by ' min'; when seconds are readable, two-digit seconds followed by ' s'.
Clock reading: 7 h 50 min
